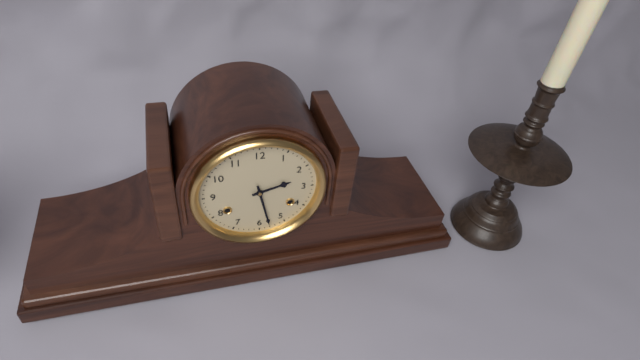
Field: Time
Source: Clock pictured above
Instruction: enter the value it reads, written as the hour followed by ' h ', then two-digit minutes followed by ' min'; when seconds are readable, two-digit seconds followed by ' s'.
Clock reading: 2 h 28 min
